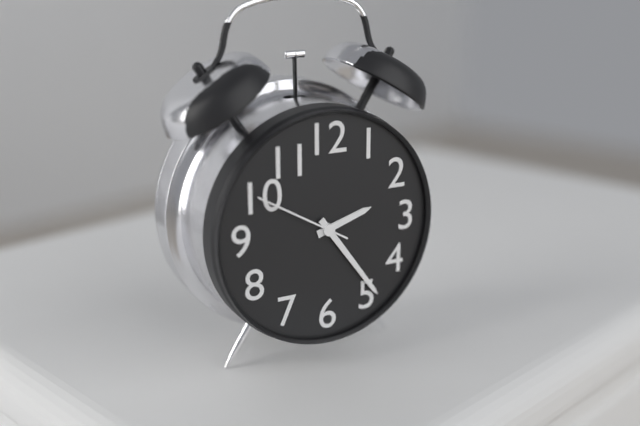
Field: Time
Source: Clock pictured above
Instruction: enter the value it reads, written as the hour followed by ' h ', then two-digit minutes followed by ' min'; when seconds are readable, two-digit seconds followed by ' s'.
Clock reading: 2 h 24 min 50 s
